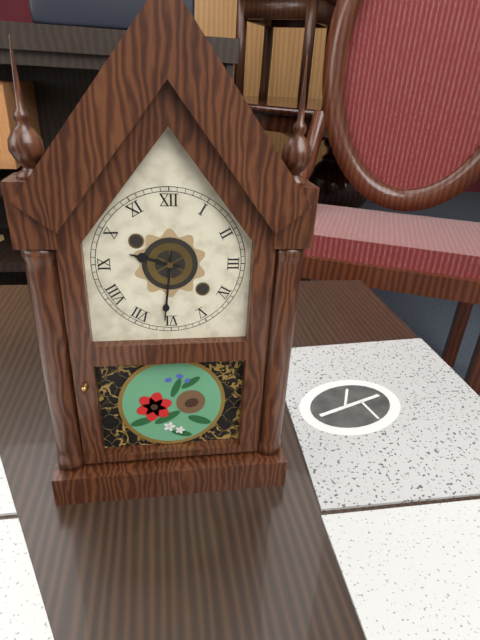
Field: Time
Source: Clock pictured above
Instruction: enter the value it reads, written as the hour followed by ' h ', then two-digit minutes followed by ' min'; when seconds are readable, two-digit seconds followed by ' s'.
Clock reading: 9 h 31 min
